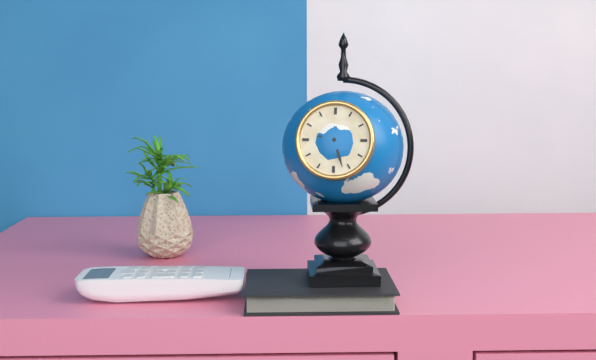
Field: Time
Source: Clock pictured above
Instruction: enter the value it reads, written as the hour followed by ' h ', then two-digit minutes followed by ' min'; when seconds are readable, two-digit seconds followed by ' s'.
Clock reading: 9 h 27 min
